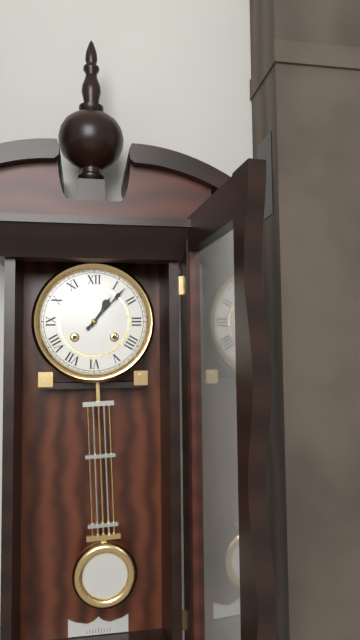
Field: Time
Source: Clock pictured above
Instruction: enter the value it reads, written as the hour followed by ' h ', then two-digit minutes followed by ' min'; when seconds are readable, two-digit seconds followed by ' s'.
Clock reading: 1 h 07 min
